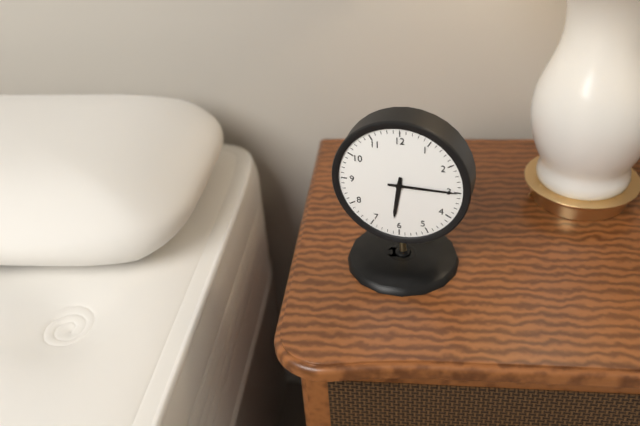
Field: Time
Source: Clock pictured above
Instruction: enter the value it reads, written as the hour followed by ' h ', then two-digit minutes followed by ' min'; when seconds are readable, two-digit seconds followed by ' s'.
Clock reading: 6 h 15 min
